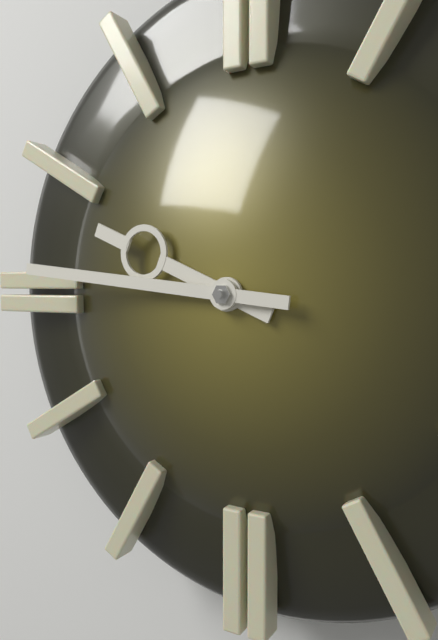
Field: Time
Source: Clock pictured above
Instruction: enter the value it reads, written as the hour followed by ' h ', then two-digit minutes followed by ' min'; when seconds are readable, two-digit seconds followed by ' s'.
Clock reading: 9 h 46 min
